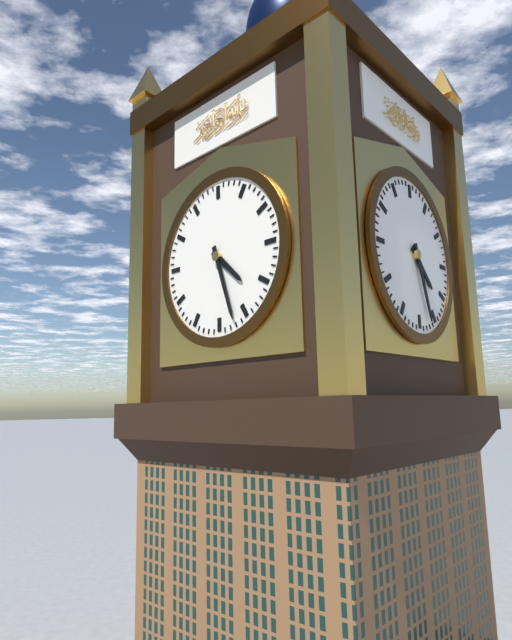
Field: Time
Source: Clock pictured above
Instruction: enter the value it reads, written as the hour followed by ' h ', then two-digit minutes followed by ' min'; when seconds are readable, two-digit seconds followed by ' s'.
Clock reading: 4 h 27 min
